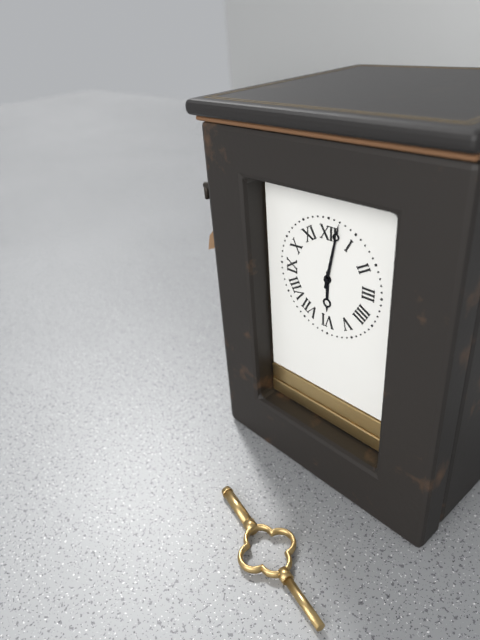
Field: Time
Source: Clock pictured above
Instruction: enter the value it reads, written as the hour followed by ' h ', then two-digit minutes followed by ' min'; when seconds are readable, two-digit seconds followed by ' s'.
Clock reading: 6 h 02 min
